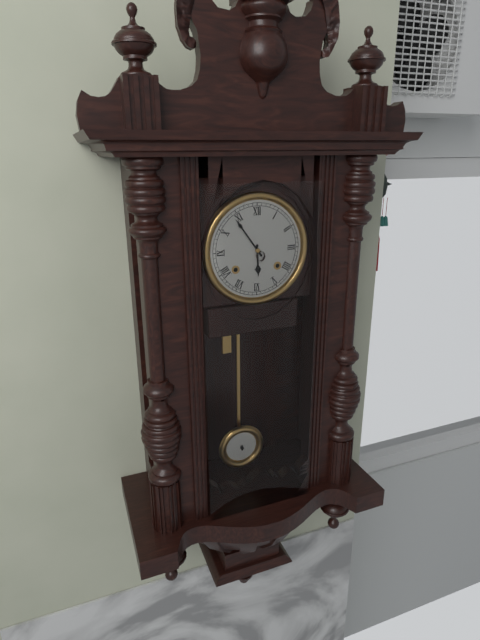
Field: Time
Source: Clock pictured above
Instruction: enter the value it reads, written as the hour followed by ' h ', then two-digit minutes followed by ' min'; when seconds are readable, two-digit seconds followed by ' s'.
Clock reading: 5 h 54 min
